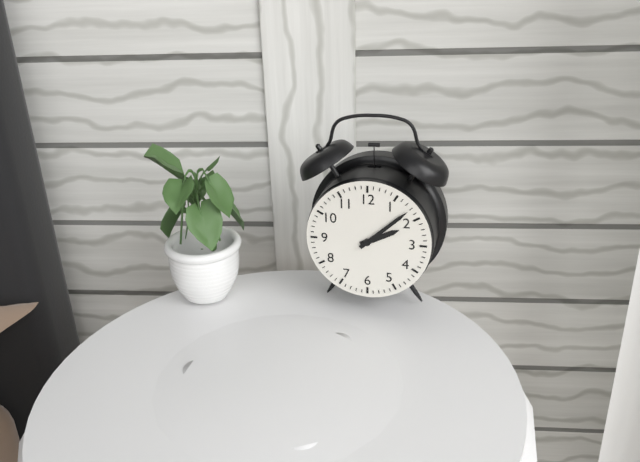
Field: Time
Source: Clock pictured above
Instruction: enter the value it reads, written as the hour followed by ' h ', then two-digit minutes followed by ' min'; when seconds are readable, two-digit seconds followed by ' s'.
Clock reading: 2 h 08 min
